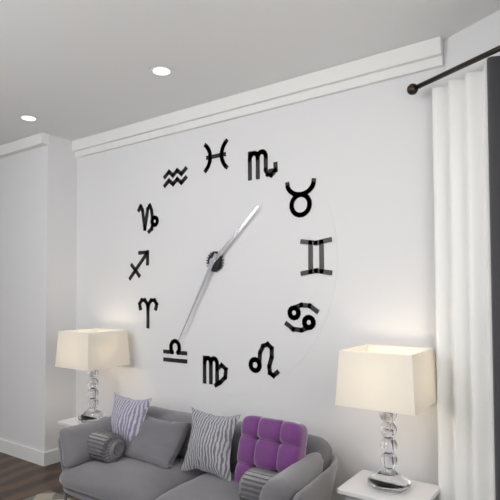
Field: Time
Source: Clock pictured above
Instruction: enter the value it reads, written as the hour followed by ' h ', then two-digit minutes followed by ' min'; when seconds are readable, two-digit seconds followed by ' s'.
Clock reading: 1 h 35 min
